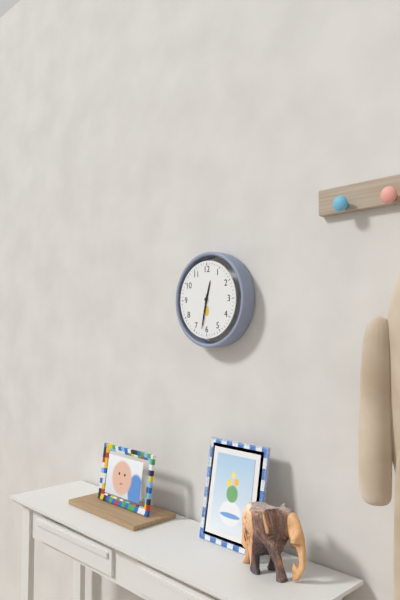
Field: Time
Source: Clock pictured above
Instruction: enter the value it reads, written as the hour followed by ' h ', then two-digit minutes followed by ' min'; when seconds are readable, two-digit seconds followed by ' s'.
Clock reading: 12 h 32 min
